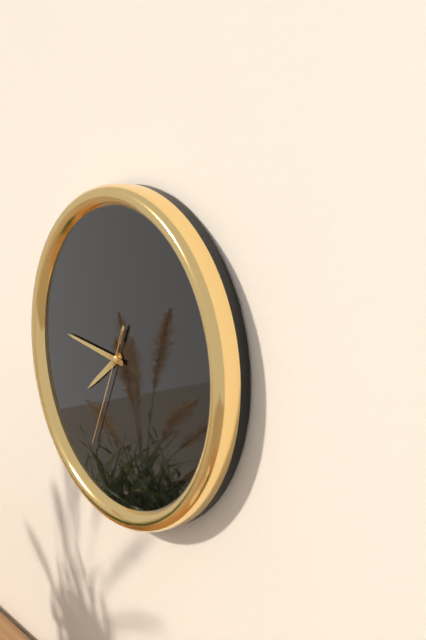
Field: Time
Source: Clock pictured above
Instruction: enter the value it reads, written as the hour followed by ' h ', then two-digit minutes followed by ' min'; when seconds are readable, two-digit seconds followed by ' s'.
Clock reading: 7 h 46 min 34 s
